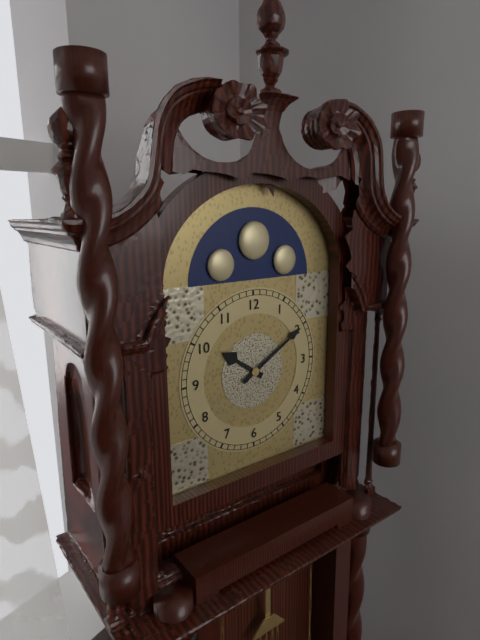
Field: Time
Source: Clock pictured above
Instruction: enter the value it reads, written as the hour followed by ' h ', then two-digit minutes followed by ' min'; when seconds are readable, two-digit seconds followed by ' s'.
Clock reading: 10 h 10 min
